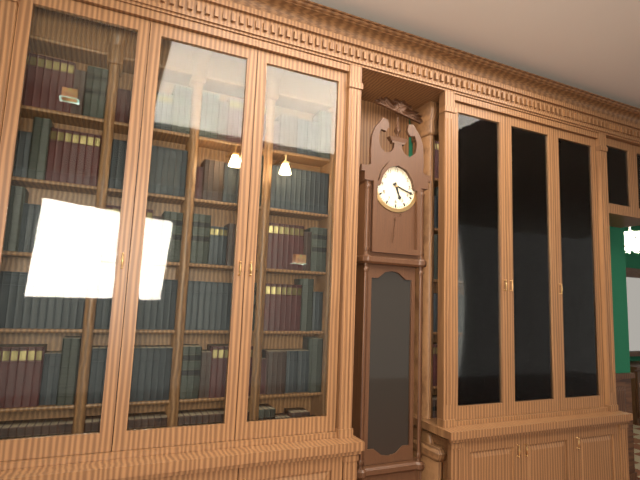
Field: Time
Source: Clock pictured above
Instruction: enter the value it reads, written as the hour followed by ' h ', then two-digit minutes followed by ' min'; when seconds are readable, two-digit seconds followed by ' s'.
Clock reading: 5 h 18 min
